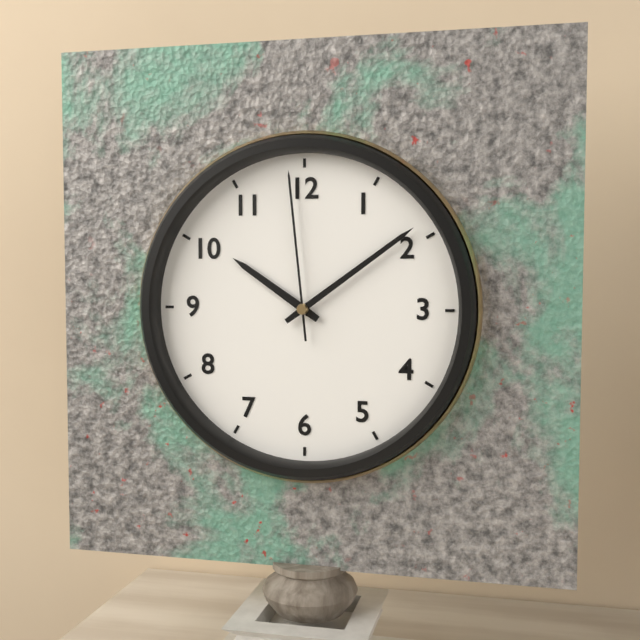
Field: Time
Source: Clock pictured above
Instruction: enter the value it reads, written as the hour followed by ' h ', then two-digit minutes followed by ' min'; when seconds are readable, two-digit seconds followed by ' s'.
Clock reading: 10 h 09 min 59 s
